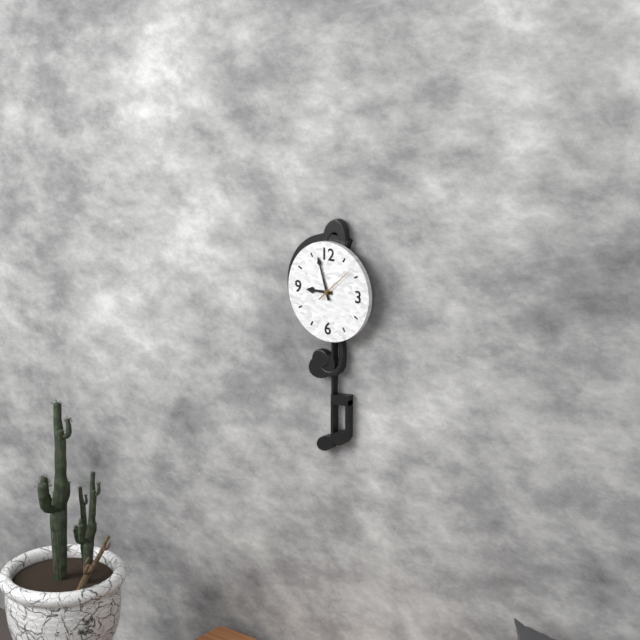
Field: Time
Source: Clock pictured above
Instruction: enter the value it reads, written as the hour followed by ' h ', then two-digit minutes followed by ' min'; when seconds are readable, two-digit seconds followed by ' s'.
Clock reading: 8 h 57 min
